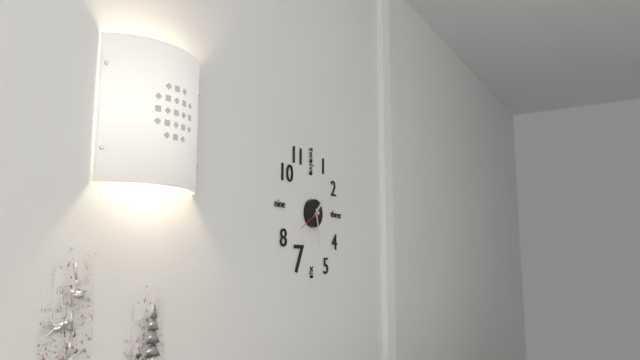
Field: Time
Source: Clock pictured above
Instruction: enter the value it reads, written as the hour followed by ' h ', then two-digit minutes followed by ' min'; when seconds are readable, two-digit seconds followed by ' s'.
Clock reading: 1 h 28 min
